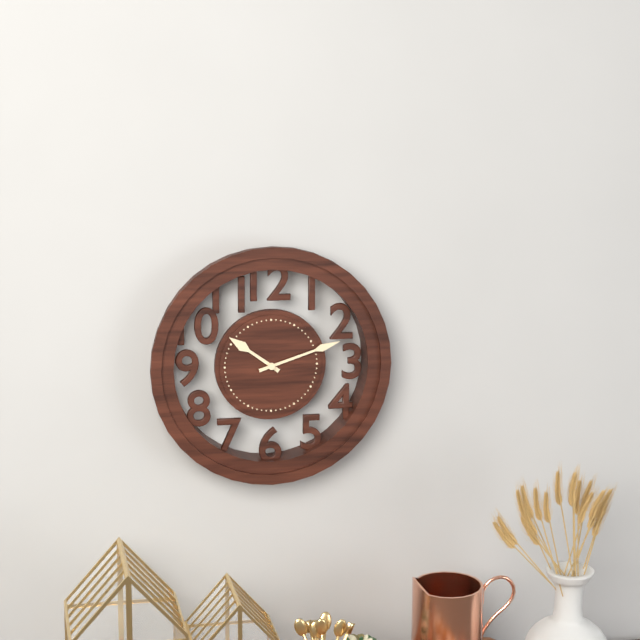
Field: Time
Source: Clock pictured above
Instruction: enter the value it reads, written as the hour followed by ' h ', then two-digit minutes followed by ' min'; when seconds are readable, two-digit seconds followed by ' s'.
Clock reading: 10 h 12 min
